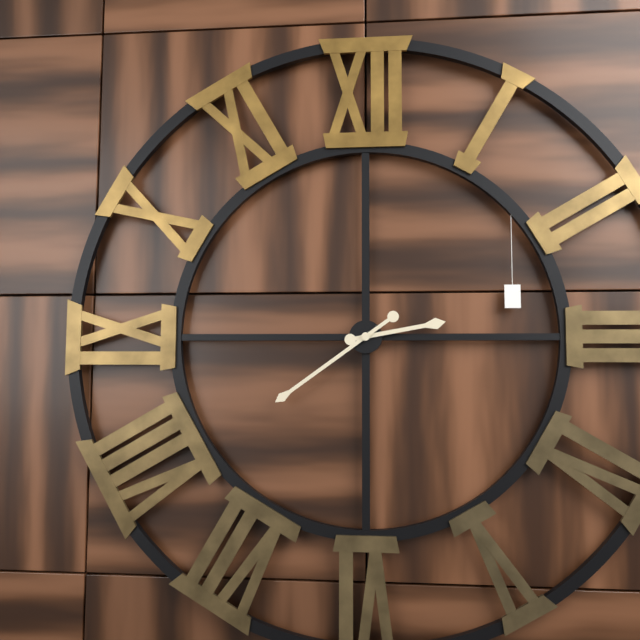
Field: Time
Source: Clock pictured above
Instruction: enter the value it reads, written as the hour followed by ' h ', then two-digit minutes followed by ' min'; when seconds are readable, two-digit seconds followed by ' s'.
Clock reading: 2 h 39 min
